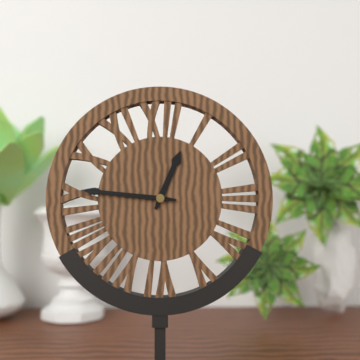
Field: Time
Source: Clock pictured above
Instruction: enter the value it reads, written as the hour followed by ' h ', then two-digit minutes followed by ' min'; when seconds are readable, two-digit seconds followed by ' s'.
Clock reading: 12 h 46 min
